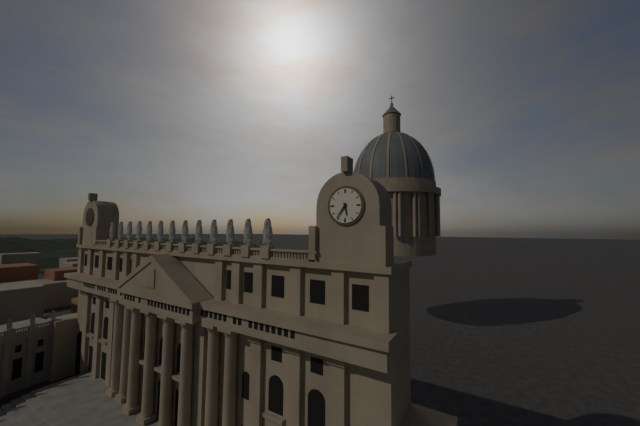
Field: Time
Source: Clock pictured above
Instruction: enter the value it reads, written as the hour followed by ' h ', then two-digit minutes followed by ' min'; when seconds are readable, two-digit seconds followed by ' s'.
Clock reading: 5 h 36 min
